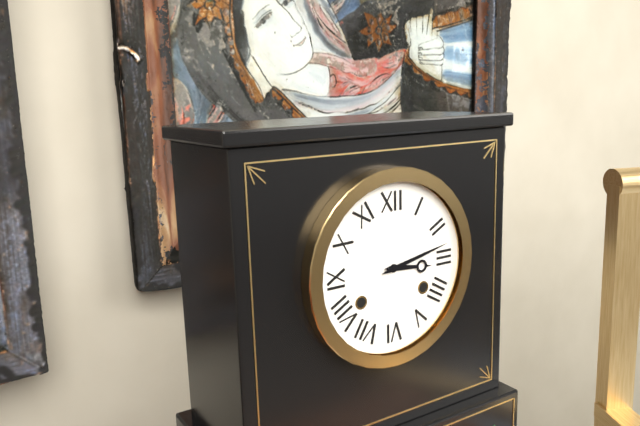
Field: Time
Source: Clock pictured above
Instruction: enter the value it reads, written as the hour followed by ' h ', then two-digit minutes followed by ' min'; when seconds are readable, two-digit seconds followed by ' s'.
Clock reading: 3 h 13 min
